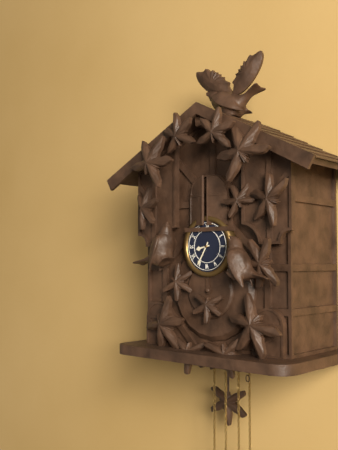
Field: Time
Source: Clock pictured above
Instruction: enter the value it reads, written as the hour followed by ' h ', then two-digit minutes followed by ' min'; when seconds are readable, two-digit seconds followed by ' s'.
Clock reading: 8 h 35 min
